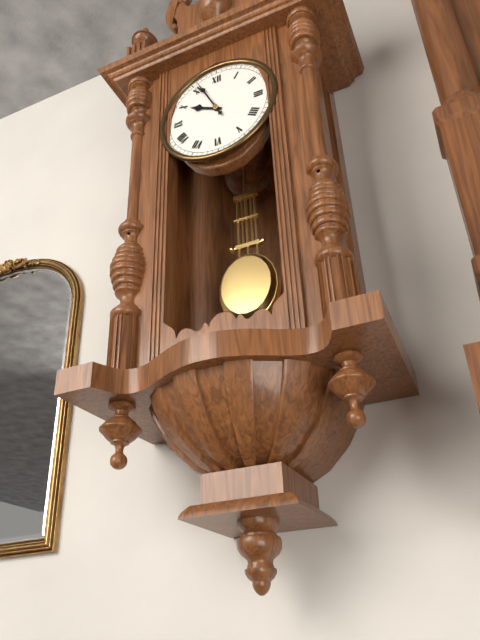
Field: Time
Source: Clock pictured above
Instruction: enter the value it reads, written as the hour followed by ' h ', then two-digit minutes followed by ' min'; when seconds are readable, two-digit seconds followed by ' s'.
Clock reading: 9 h 56 min
